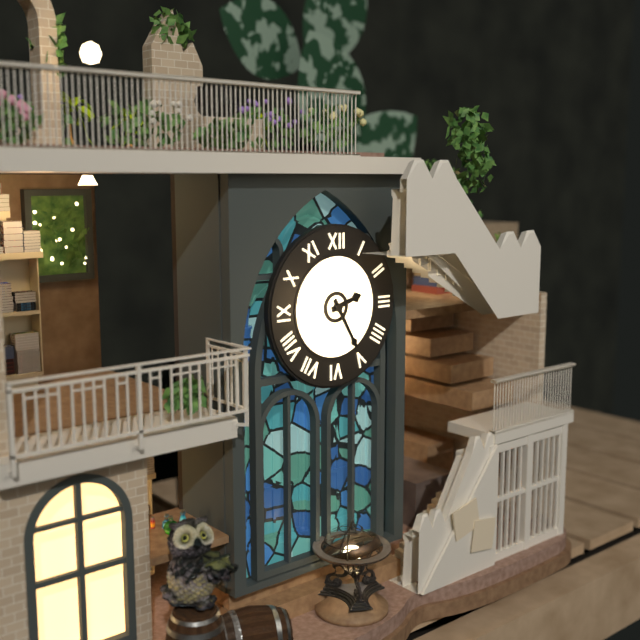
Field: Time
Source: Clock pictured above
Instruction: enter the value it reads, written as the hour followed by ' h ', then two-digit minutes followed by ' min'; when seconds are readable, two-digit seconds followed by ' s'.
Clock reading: 2 h 25 min
